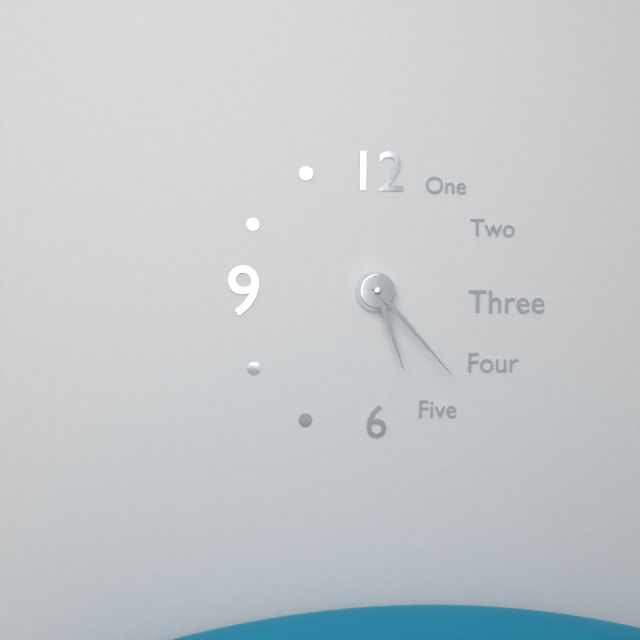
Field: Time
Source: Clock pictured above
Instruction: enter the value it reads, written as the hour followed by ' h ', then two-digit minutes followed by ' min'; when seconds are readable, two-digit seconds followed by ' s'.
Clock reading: 5 h 23 min
